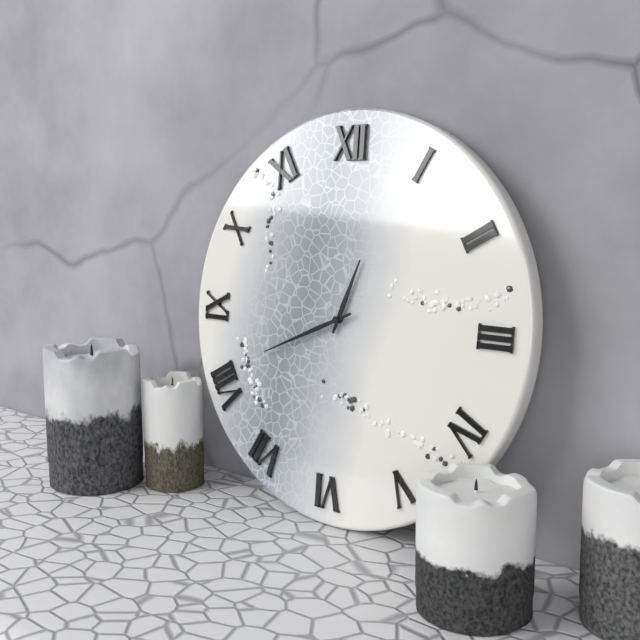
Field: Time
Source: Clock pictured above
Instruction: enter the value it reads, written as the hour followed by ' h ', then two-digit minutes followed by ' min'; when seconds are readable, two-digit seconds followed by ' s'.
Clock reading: 12 h 41 min
